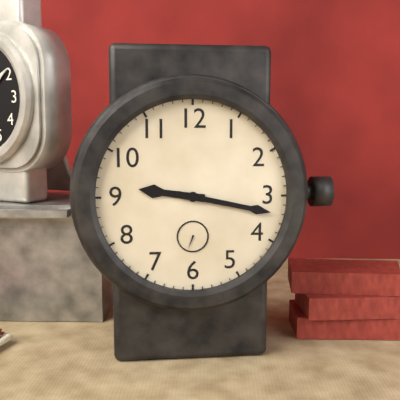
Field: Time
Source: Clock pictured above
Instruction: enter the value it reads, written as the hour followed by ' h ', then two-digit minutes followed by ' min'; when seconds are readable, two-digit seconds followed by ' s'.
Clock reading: 9 h 17 min
